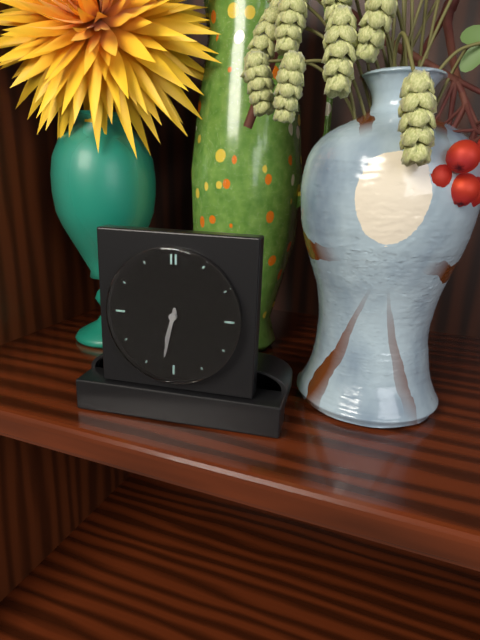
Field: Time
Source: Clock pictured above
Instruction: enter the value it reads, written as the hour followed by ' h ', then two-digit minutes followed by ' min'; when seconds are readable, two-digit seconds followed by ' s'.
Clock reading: 6 h 32 min
